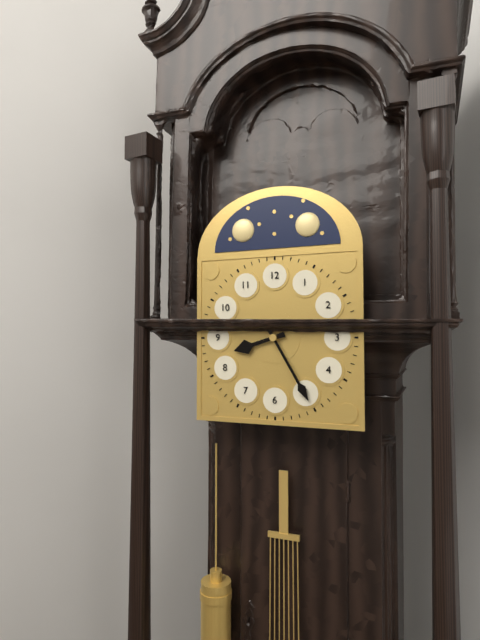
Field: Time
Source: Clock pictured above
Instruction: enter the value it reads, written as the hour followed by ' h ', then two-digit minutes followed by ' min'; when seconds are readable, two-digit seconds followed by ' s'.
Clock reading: 8 h 25 min
